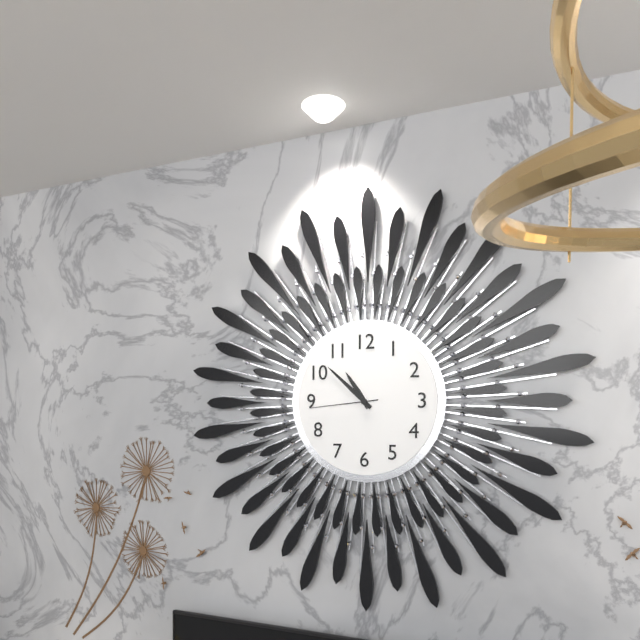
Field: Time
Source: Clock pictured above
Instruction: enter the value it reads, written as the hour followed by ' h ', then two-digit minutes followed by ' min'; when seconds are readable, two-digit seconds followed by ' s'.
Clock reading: 10 h 52 min 44 s
